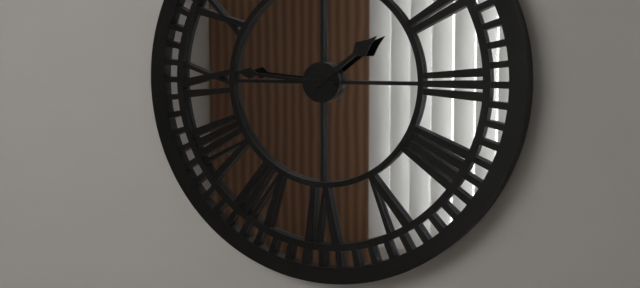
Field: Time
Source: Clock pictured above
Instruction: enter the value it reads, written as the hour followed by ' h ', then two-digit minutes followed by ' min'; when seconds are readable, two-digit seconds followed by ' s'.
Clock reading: 1 h 46 min
